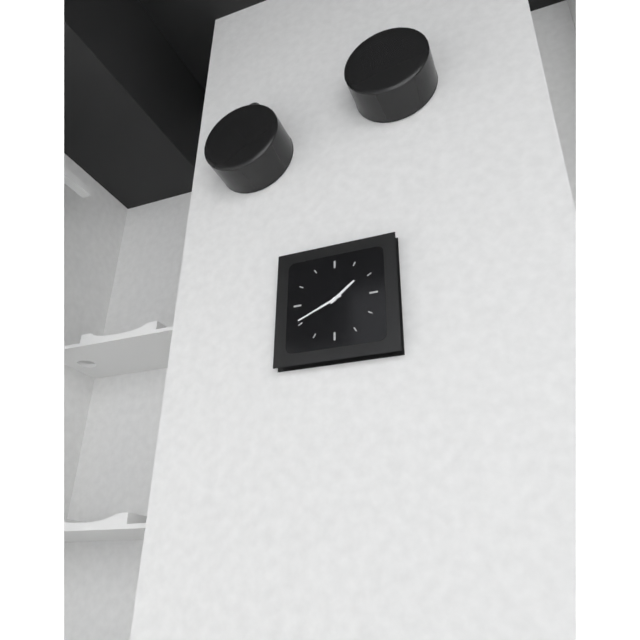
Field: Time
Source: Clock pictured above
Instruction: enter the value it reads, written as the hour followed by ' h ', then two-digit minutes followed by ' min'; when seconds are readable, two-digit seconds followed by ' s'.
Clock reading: 1 h 41 min
